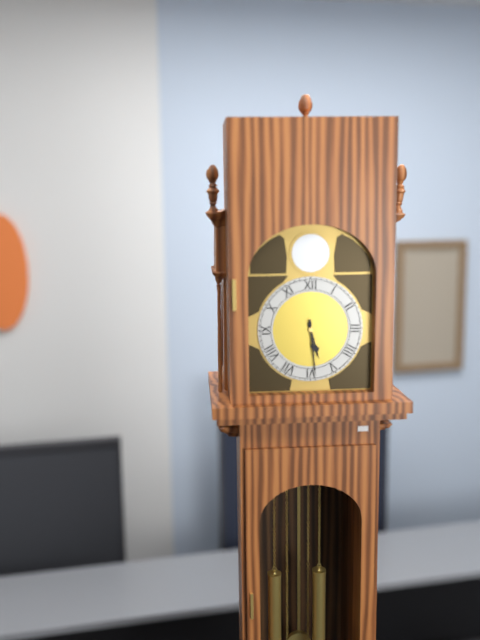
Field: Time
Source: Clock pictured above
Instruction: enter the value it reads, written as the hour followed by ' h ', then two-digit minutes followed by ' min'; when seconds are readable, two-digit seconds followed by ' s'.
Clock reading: 5 h 29 min
